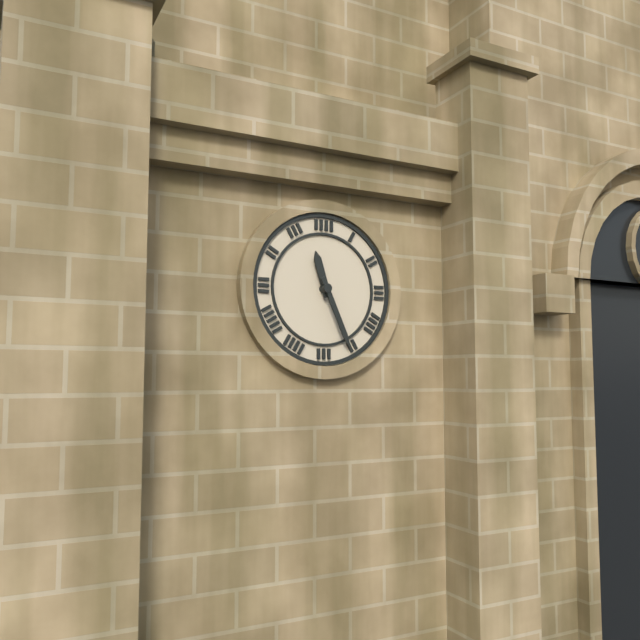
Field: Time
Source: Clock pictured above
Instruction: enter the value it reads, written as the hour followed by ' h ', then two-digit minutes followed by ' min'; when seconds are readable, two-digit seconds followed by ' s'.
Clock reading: 11 h 26 min
